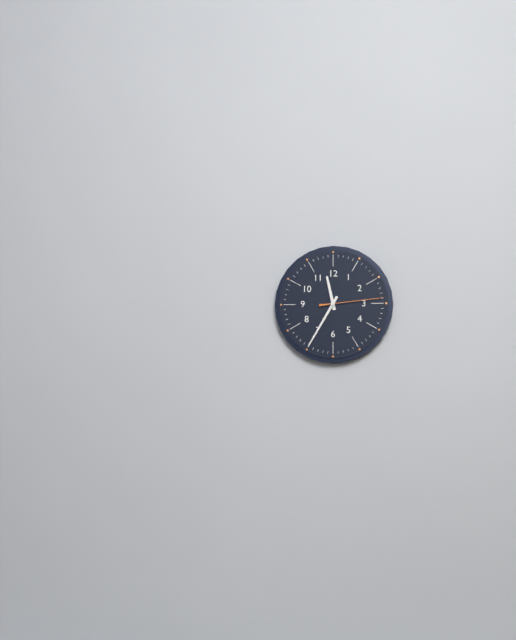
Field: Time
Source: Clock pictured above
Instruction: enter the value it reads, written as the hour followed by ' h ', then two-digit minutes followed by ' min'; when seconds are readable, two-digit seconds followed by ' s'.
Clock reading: 11 h 35 min 14 s
